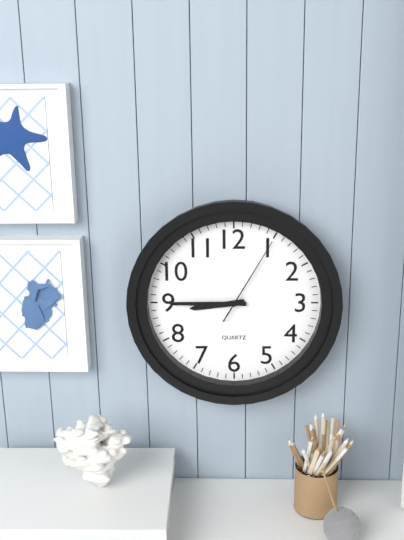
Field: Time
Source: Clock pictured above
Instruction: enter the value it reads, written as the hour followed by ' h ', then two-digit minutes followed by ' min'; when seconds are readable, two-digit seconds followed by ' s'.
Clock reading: 8 h 45 min 05 s
